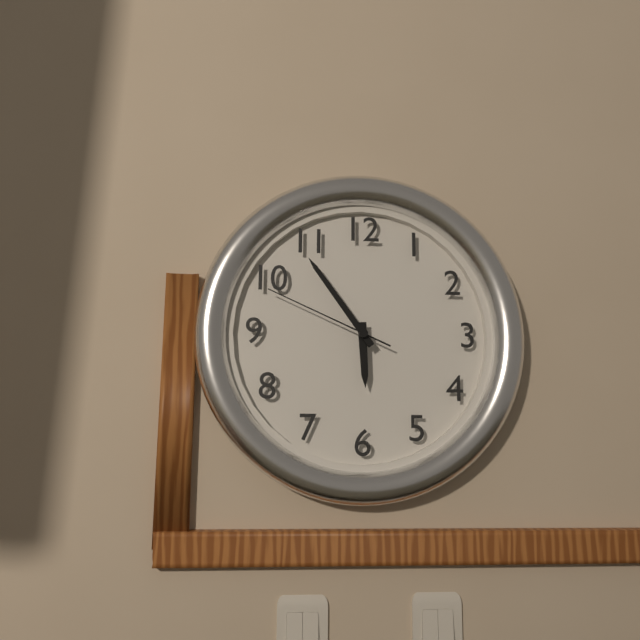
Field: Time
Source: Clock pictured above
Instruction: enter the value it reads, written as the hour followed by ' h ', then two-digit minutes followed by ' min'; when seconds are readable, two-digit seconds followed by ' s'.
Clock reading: 5 h 54 min 49 s
